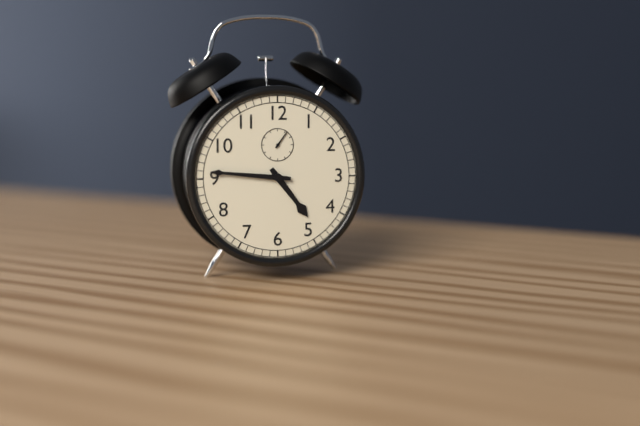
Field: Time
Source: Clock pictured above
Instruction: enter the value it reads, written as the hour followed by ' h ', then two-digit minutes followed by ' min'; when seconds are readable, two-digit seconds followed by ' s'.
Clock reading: 4 h 46 min
